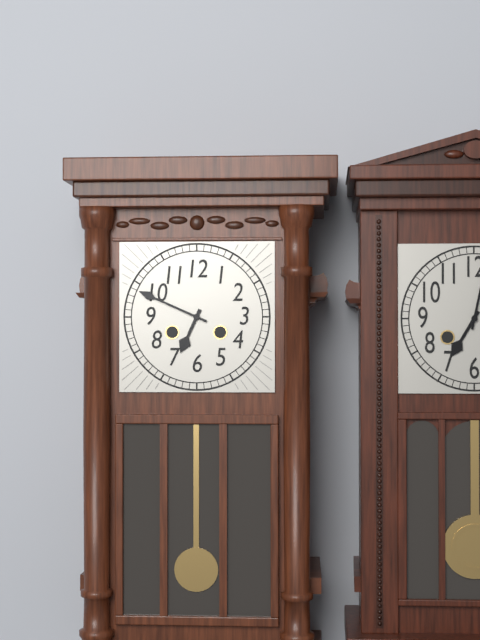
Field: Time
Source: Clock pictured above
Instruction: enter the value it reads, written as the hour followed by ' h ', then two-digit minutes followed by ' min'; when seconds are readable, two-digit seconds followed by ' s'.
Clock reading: 6 h 49 min
